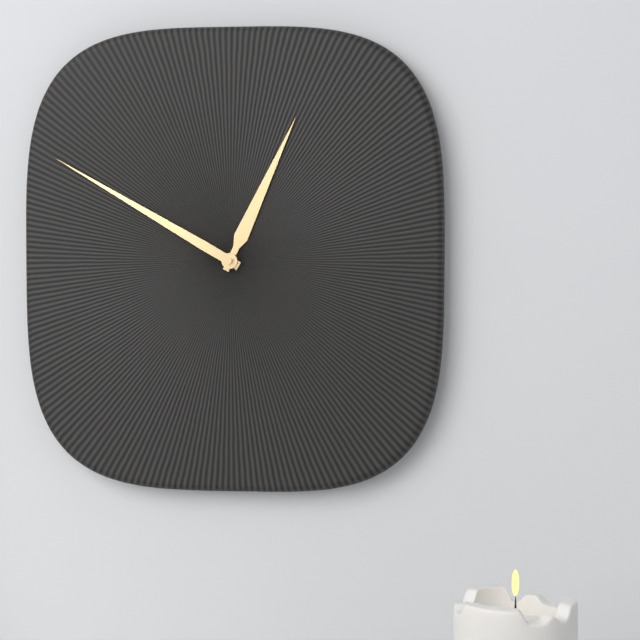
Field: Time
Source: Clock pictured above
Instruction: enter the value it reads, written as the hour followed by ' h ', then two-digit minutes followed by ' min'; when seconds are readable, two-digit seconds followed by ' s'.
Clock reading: 12 h 50 min
